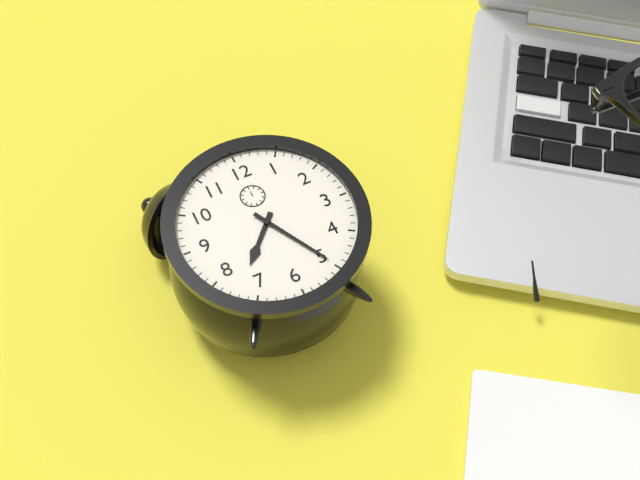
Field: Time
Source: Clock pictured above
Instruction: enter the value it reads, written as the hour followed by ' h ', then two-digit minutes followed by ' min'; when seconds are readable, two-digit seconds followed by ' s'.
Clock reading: 7 h 25 min
